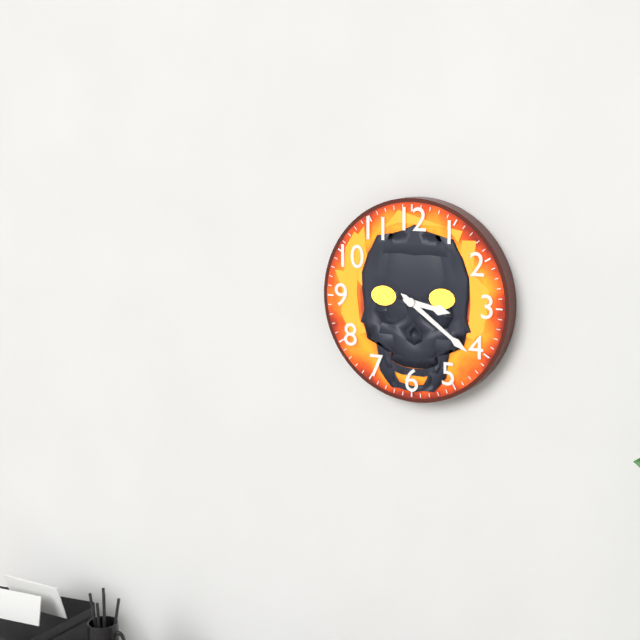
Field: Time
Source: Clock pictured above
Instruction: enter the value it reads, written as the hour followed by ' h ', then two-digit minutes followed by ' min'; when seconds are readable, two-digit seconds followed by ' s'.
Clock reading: 3 h 21 min
